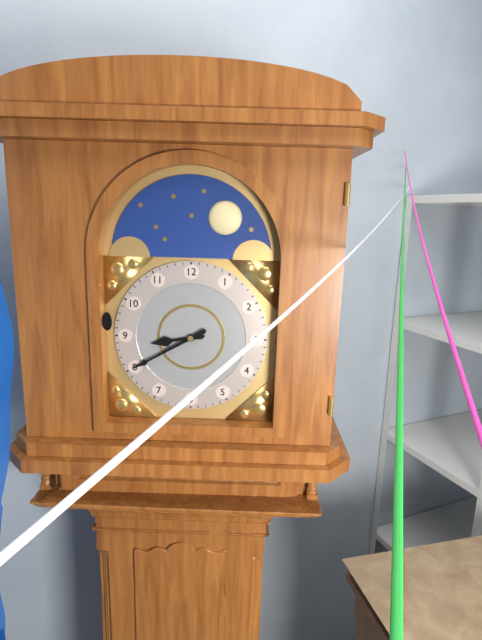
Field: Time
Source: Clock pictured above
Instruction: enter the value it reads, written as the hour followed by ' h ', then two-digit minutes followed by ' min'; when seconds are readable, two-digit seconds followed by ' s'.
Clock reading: 8 h 40 min
